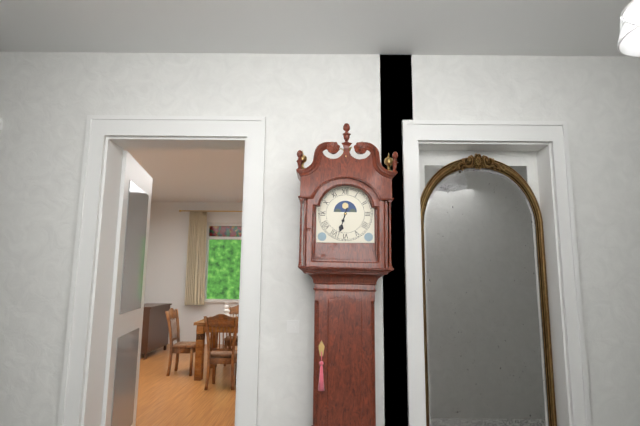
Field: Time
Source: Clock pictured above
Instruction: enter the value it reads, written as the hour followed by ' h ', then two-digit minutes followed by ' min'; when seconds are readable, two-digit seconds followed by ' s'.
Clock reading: 6 h 33 min
